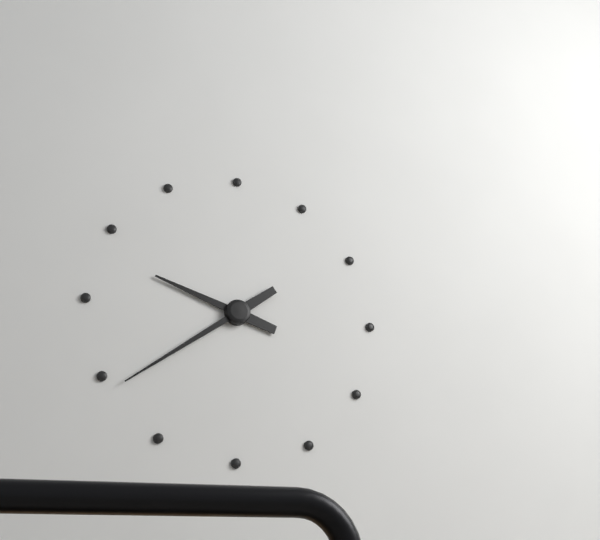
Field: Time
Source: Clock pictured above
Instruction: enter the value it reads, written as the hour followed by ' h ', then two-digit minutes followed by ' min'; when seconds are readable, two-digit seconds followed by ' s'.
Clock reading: 9 h 39 min
